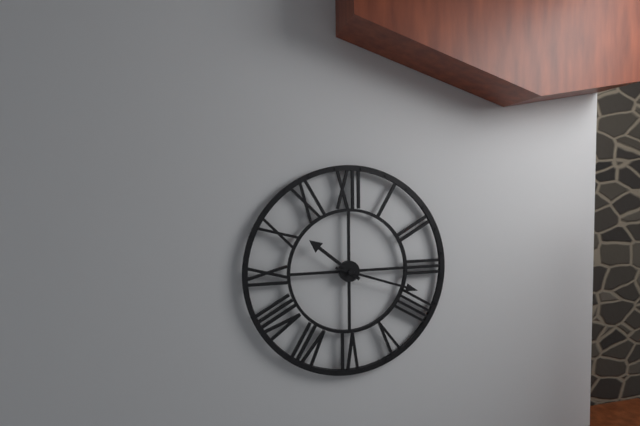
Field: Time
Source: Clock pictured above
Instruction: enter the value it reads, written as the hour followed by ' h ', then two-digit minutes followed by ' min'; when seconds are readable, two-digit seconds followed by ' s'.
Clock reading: 10 h 18 min
